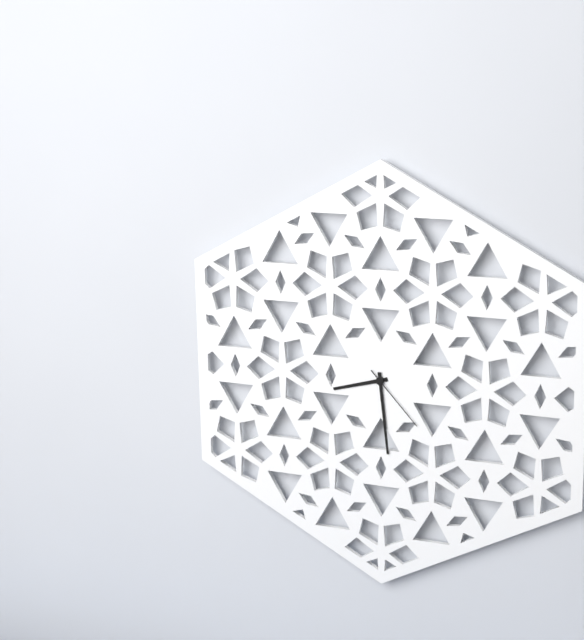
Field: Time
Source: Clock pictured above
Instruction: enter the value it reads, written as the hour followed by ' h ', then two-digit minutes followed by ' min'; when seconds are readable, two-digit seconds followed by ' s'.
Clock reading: 8 h 29 min 23 s
